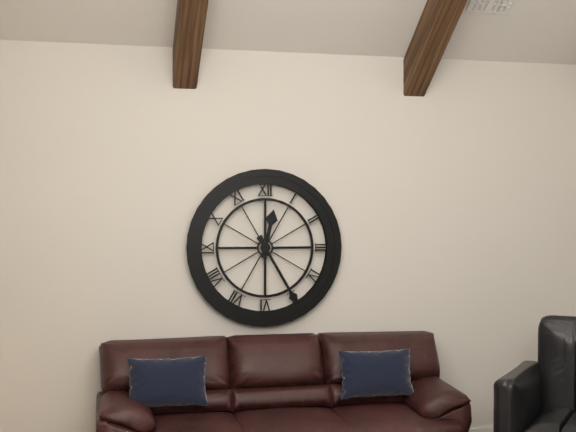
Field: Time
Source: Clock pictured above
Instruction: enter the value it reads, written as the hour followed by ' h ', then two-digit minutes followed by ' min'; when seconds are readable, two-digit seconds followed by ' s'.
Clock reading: 12 h 25 min
